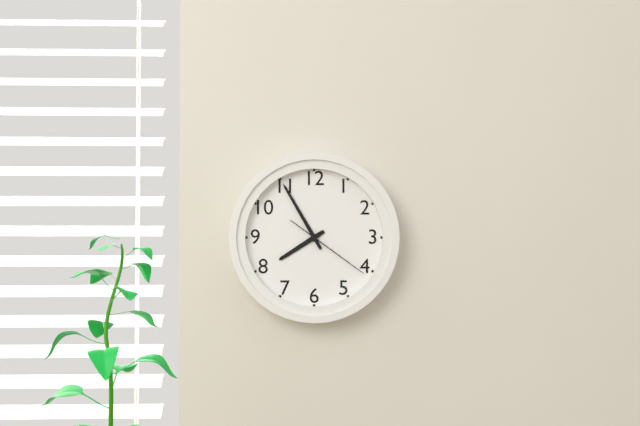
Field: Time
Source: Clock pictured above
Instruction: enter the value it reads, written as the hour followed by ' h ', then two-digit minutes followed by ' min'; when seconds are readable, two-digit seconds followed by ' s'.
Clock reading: 7 h 55 min 21 s
